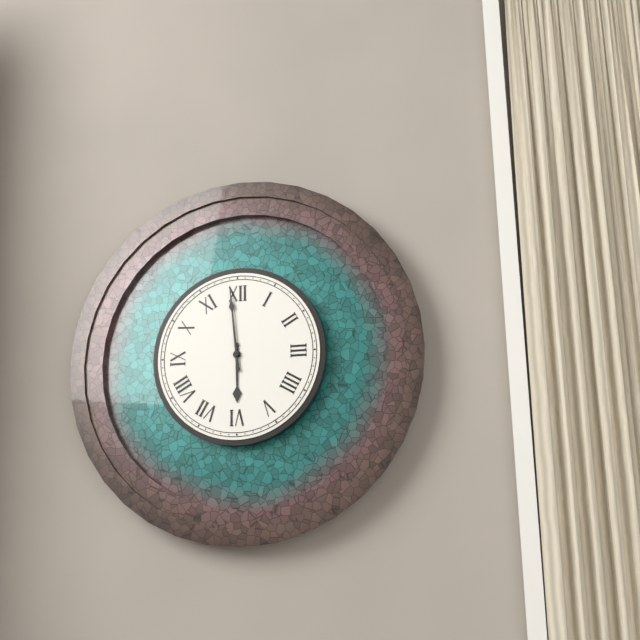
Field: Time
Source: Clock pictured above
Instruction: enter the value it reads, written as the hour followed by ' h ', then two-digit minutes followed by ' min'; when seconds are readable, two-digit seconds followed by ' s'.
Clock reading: 5 h 59 min
